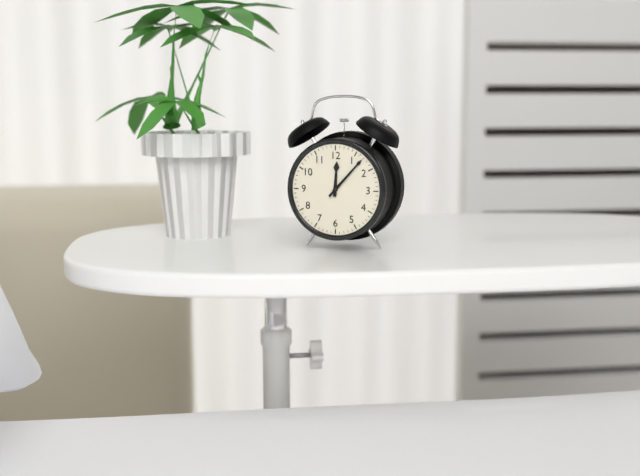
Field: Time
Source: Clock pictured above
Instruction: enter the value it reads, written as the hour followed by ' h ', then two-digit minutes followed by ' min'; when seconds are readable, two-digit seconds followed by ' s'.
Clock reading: 12 h 07 min
